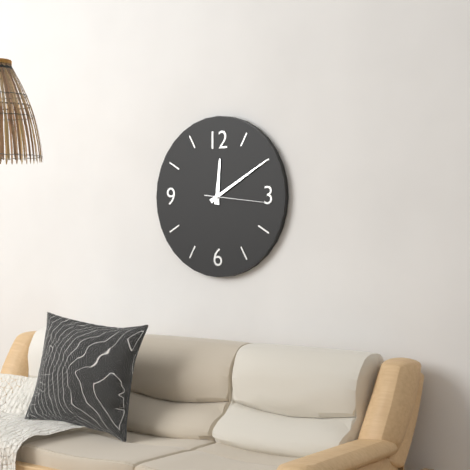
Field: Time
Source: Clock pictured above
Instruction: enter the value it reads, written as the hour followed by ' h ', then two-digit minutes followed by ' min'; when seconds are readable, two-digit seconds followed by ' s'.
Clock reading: 12 h 10 min 16 s
